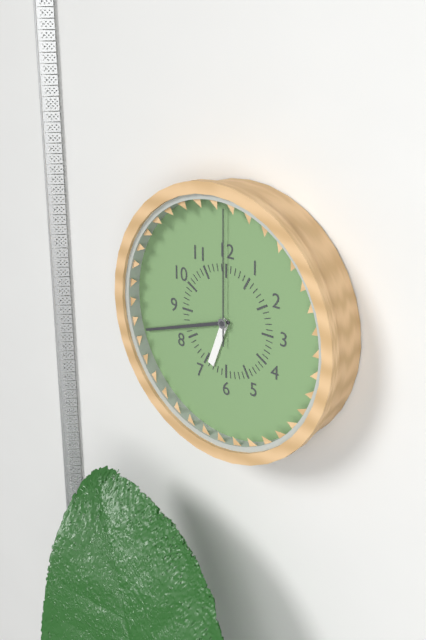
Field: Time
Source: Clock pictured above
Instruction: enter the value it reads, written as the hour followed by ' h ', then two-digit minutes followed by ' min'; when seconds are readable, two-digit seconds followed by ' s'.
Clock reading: 6 h 42 min 00 s
